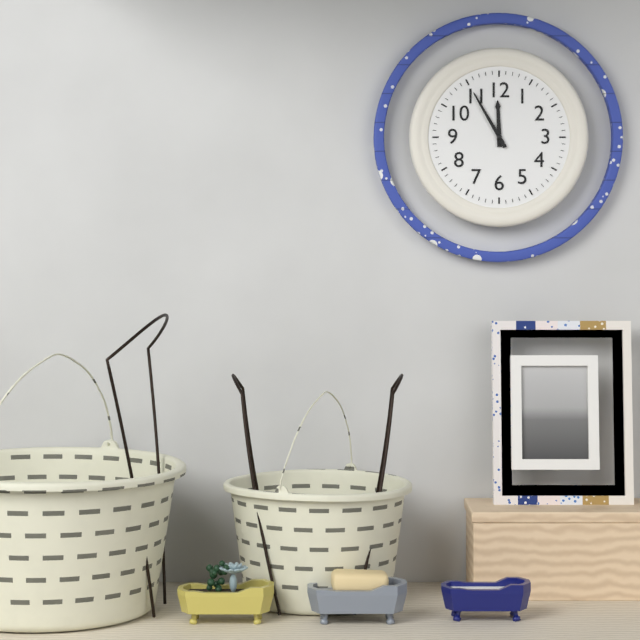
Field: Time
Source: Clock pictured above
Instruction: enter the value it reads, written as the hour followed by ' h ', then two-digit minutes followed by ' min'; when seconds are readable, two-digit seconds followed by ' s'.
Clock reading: 11 h 55 min
